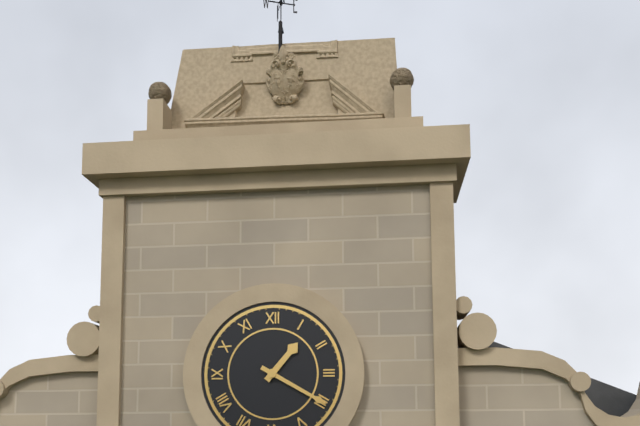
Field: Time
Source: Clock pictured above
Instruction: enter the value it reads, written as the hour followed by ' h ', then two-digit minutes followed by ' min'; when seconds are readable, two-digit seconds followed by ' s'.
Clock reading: 1 h 20 min
